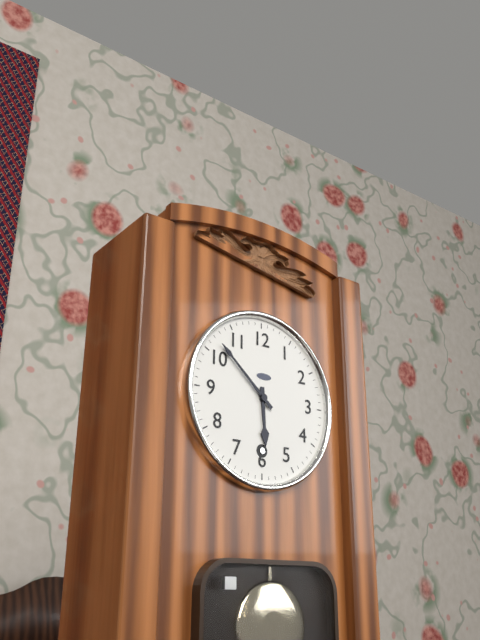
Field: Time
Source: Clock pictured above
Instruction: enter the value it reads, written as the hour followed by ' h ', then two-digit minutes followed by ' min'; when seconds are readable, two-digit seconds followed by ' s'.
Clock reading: 5 h 52 min
